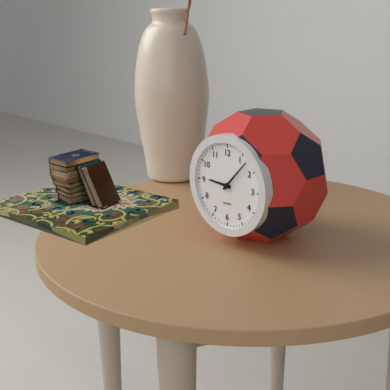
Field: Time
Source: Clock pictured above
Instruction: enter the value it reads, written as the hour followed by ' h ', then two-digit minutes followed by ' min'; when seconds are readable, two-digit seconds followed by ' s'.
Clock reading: 9 h 07 min
